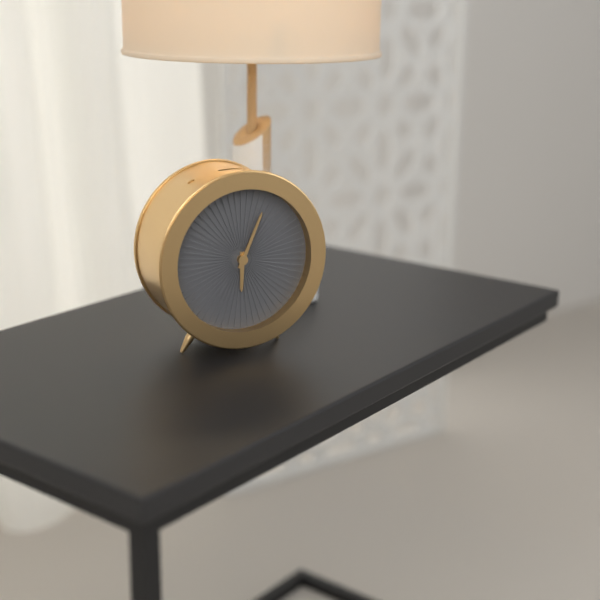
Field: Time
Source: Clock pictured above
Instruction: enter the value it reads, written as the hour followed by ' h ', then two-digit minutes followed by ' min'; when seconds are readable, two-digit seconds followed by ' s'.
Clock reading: 6 h 04 min
